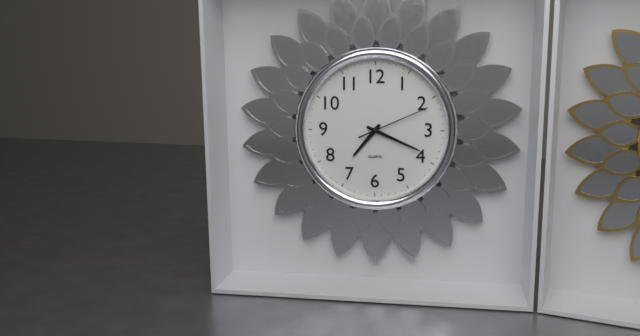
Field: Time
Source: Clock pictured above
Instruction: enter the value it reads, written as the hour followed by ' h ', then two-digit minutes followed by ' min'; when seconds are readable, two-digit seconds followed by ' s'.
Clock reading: 7 h 19 min 11 s
